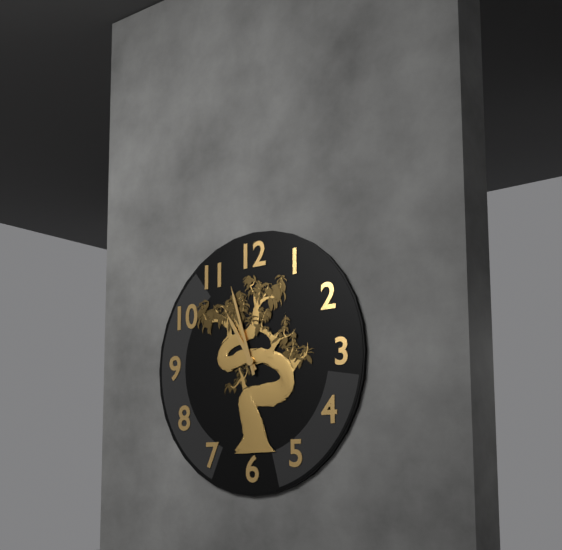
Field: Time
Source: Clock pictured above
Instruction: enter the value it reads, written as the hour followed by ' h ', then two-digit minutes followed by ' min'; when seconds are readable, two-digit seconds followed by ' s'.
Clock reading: 10 h 57 min
